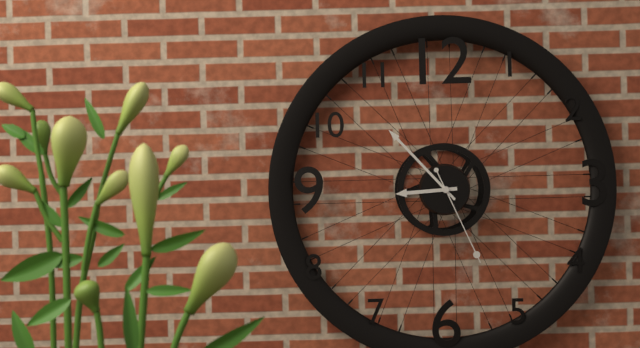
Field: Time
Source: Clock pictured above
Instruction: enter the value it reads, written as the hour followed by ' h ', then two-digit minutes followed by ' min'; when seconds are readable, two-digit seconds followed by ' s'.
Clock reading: 8 h 53 min 26 s
